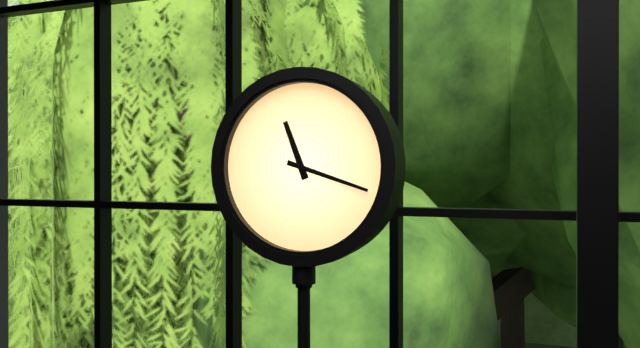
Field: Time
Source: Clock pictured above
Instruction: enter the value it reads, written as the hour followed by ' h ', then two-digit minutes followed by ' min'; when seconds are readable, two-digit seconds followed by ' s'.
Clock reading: 11 h 18 min
